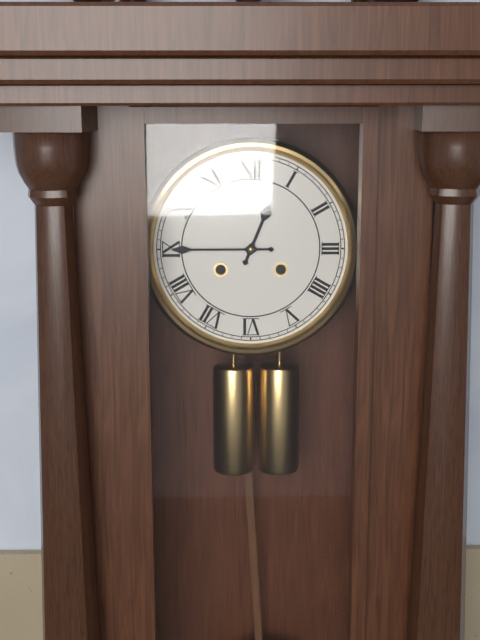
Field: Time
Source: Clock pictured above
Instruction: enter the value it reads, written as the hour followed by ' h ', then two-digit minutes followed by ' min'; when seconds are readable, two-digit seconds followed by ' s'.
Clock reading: 12 h 45 min
